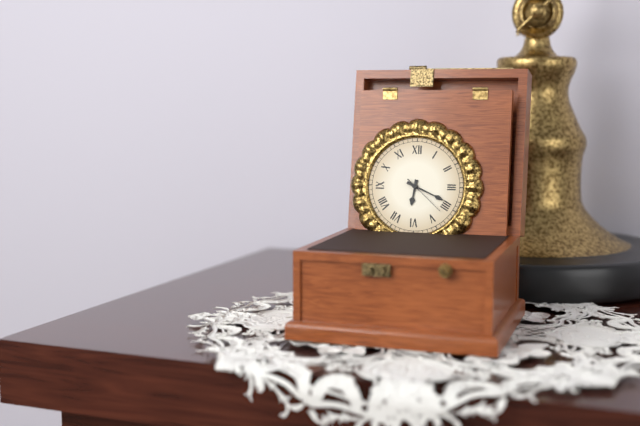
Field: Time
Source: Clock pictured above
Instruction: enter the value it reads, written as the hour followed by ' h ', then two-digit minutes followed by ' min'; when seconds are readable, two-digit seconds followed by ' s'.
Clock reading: 6 h 19 min
